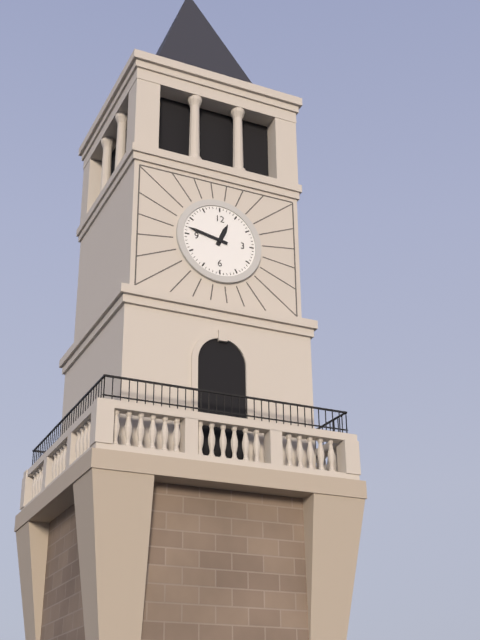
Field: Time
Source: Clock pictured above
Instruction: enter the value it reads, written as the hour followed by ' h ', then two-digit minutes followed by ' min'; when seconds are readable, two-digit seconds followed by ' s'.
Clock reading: 12 h 47 min
